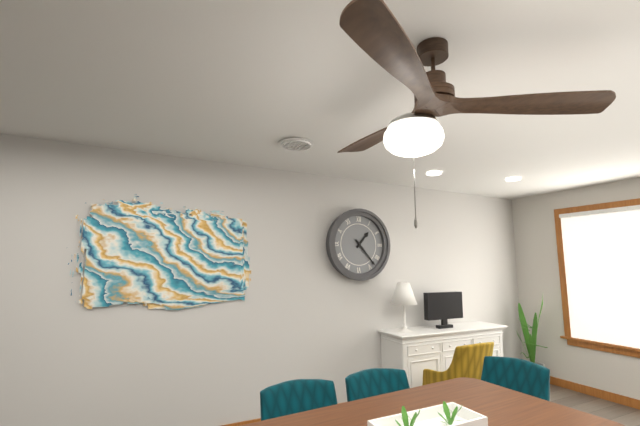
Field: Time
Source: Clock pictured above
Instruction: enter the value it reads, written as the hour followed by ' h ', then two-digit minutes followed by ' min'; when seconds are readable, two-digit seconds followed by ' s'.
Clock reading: 1 h 23 min
